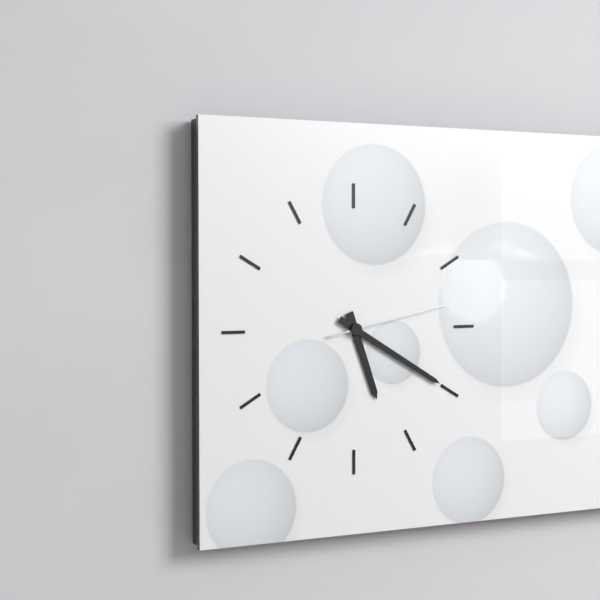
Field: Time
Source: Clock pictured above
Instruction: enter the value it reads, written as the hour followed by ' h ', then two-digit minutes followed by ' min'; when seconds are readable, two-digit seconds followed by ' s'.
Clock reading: 5 h 20 min 13 s
